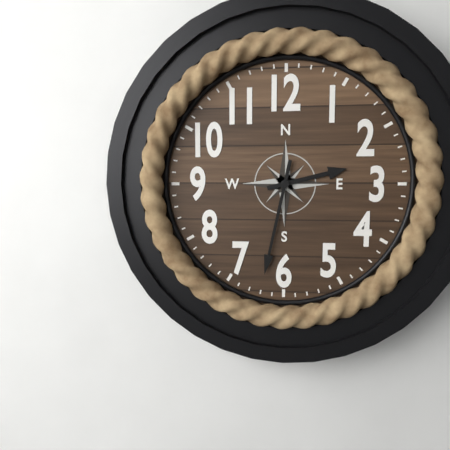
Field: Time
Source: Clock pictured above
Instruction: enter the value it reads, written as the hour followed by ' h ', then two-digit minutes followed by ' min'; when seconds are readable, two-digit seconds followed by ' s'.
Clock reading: 2 h 32 min
